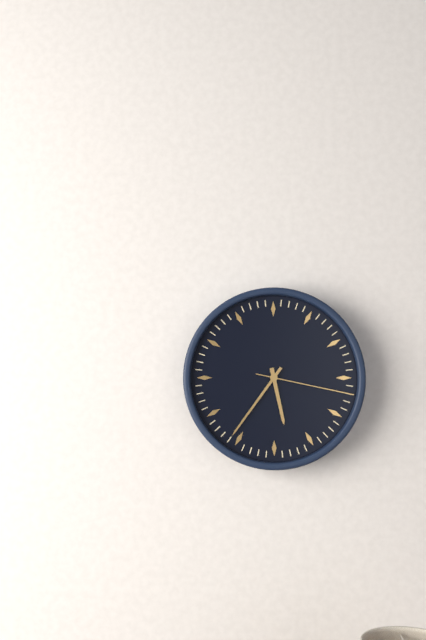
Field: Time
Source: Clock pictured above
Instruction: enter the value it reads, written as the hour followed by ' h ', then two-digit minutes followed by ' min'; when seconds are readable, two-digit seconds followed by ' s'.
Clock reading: 5 h 36 min 17 s
